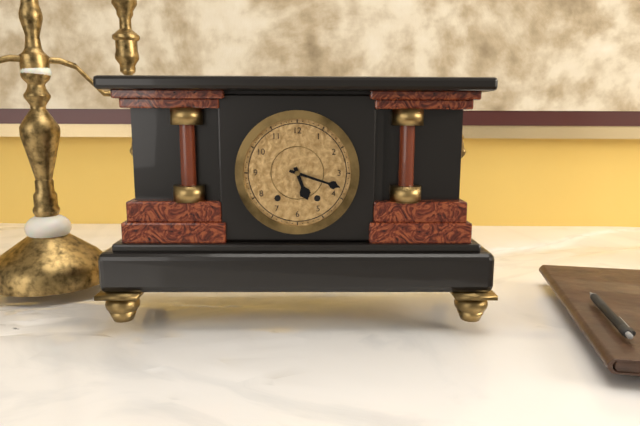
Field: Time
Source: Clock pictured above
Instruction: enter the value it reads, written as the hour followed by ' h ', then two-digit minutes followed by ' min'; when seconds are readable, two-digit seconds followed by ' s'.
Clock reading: 5 h 18 min
